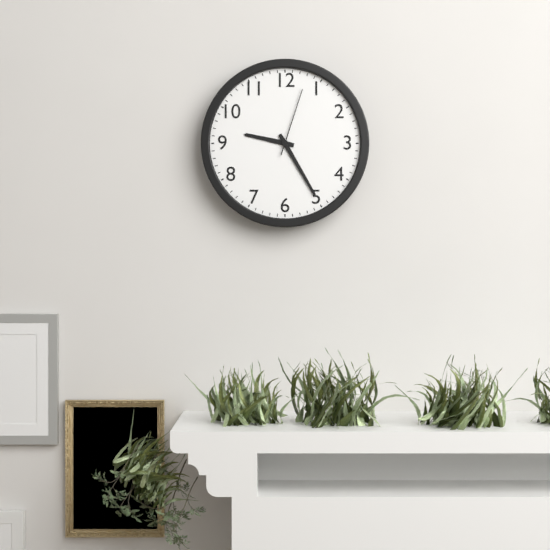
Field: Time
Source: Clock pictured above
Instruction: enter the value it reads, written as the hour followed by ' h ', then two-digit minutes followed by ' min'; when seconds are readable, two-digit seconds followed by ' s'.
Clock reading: 9 h 25 min 03 s
